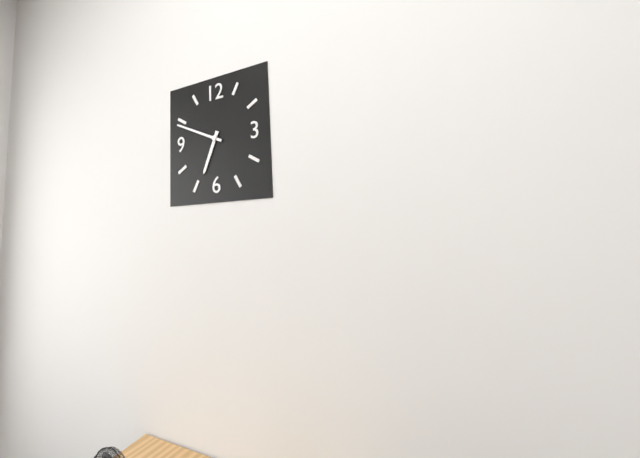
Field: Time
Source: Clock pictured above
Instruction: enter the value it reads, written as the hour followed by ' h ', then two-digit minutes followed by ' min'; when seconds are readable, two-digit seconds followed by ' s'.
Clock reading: 6 h 49 min
